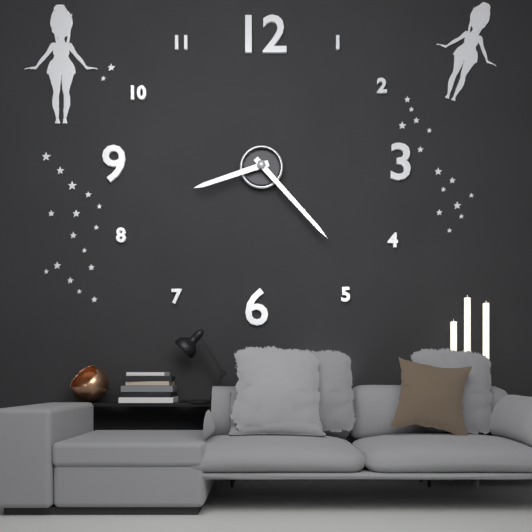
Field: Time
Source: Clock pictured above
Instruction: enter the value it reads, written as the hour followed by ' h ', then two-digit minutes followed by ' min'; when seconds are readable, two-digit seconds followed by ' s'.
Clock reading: 8 h 23 min
